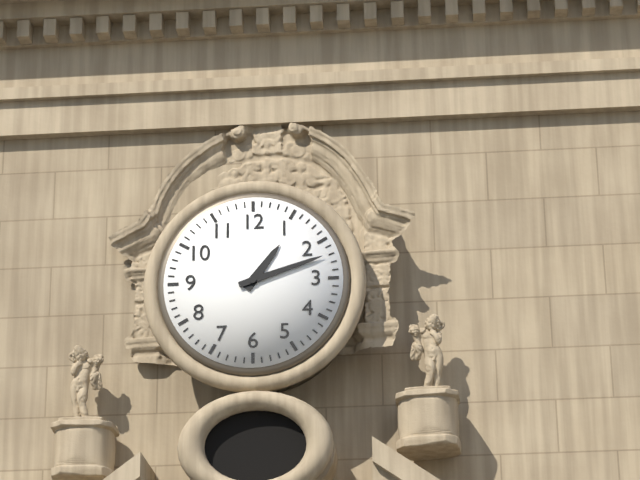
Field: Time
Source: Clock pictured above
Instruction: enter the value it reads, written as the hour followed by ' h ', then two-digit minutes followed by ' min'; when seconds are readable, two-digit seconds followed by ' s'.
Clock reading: 1 h 12 min
